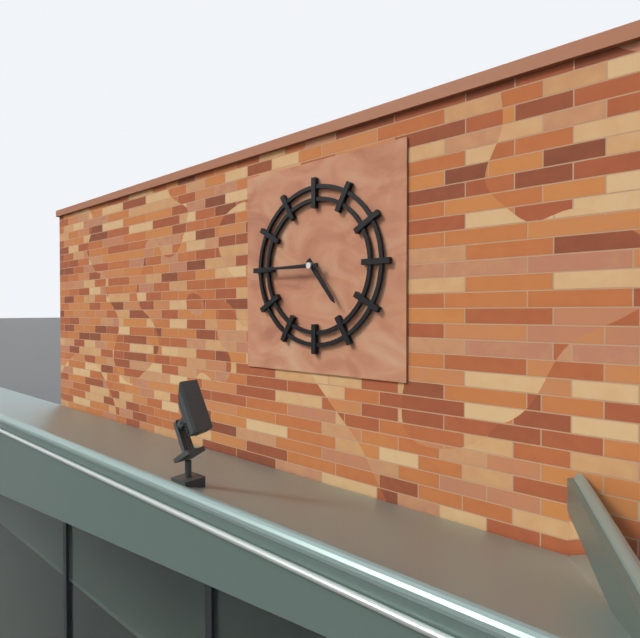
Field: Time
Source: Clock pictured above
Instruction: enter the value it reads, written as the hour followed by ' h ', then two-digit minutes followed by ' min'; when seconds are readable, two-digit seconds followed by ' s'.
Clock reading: 4 h 45 min
